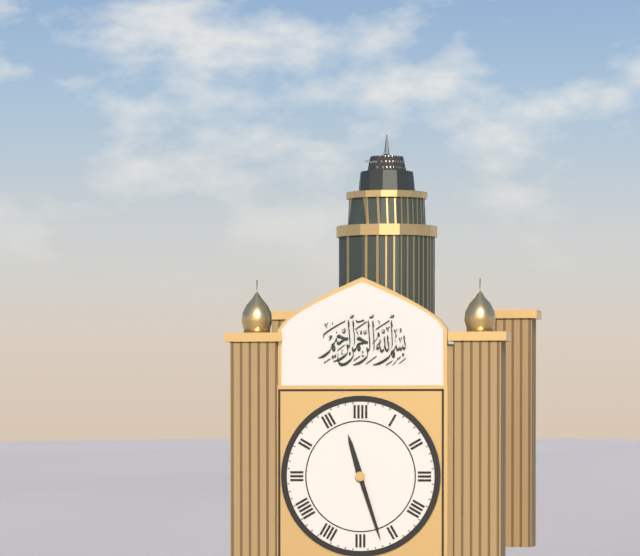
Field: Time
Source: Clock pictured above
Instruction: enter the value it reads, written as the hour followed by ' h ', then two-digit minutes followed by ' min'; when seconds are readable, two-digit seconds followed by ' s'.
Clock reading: 11 h 27 min
